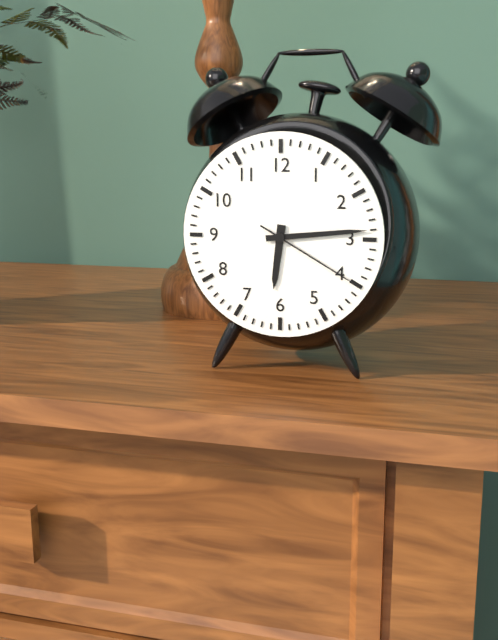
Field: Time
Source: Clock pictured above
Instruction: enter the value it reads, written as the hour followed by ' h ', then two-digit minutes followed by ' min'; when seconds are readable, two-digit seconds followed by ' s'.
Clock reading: 6 h 14 min 20 s
